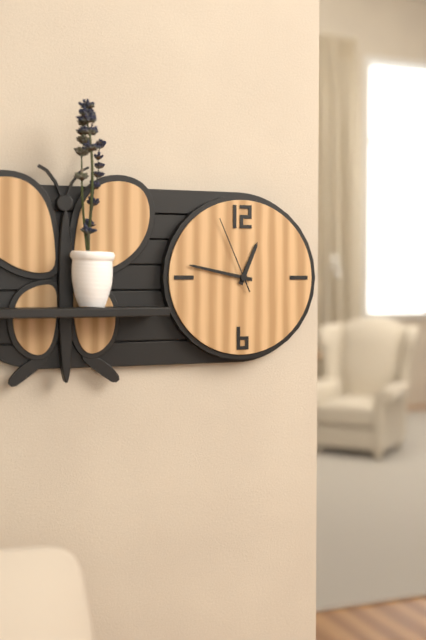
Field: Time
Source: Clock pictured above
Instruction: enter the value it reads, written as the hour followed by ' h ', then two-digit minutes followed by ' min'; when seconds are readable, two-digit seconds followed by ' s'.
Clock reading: 12 h 47 min 56 s
